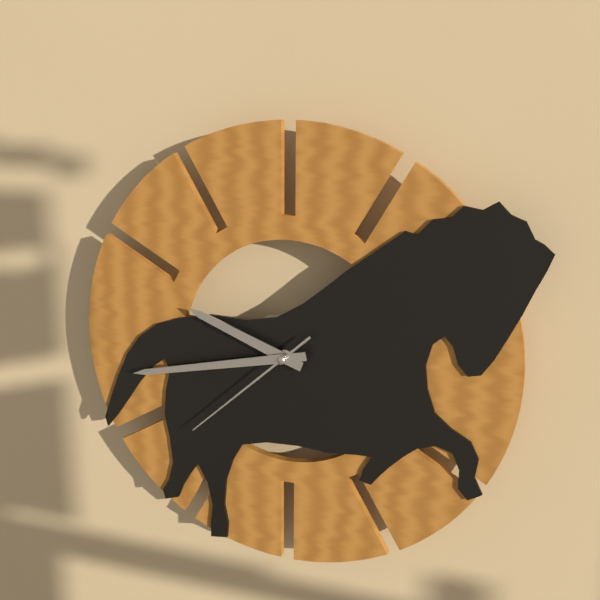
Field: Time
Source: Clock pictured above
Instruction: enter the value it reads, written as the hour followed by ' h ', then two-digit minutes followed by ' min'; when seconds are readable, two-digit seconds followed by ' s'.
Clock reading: 9 h 43 min 38 s
